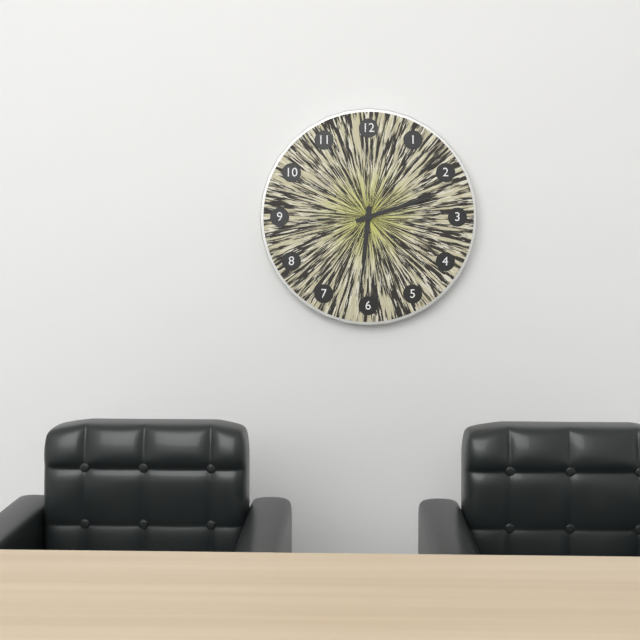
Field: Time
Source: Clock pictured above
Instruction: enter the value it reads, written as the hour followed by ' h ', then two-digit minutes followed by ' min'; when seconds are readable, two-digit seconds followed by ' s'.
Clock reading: 6 h 12 min
